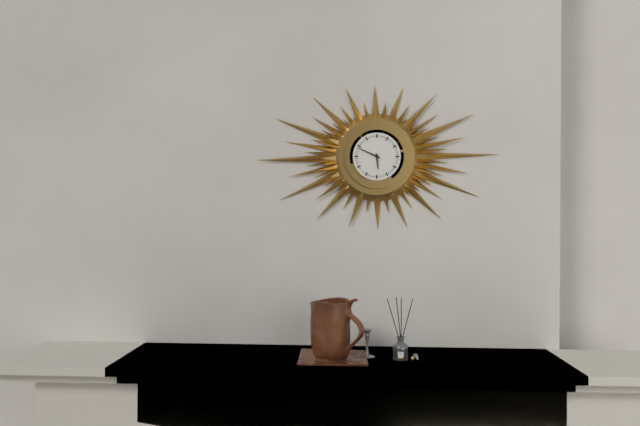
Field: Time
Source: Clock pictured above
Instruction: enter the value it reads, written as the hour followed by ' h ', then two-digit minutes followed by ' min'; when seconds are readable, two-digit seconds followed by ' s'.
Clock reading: 5 h 49 min
